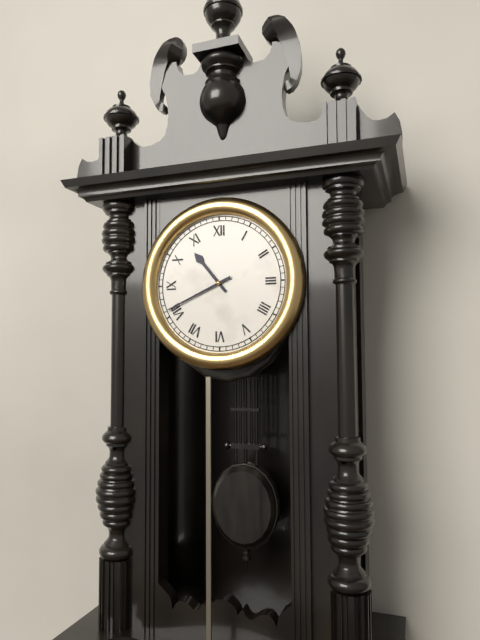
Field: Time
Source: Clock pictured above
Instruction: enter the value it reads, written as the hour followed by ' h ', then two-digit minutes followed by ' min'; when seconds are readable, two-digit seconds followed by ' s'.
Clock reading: 10 h 41 min
